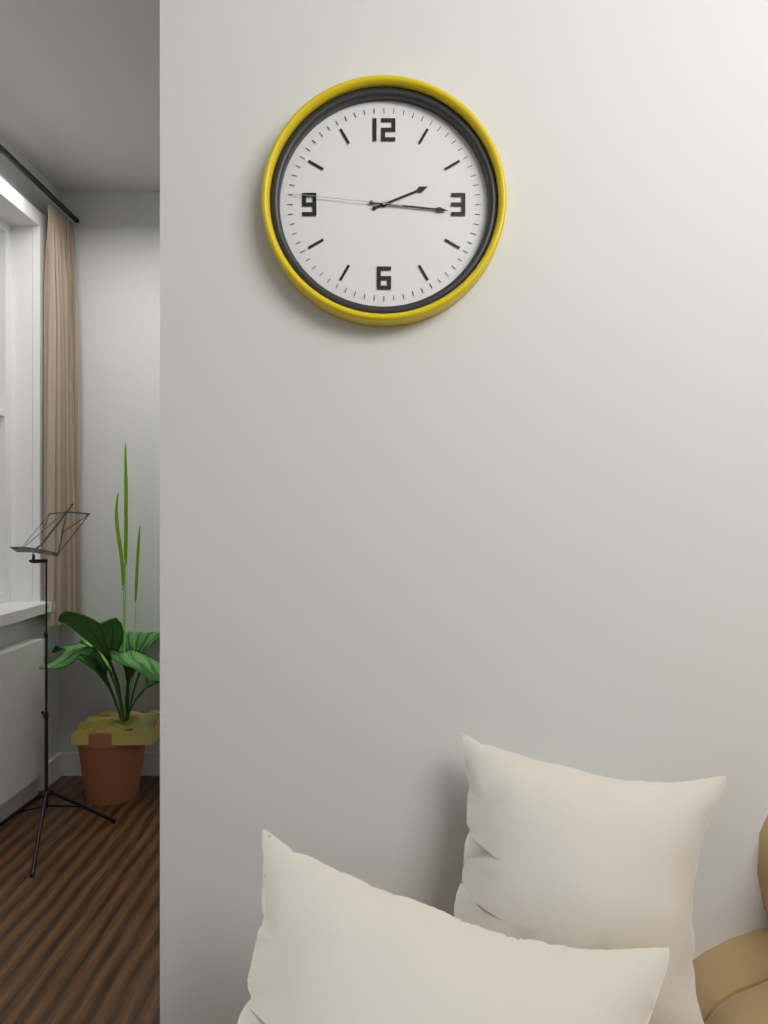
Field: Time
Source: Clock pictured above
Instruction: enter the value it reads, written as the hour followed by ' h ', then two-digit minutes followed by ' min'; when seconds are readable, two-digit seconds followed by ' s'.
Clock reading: 2 h 16 min 46 s
